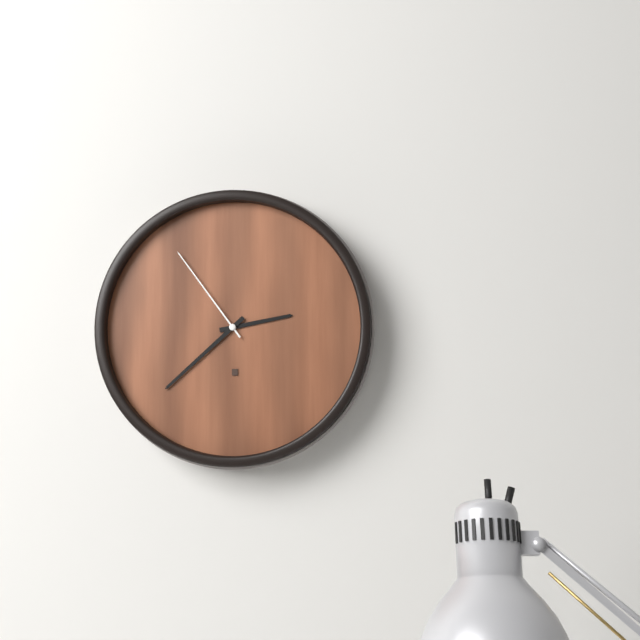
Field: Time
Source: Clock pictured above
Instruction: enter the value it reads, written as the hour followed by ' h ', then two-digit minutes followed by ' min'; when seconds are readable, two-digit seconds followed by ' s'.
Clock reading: 2 h 38 min 54 s
